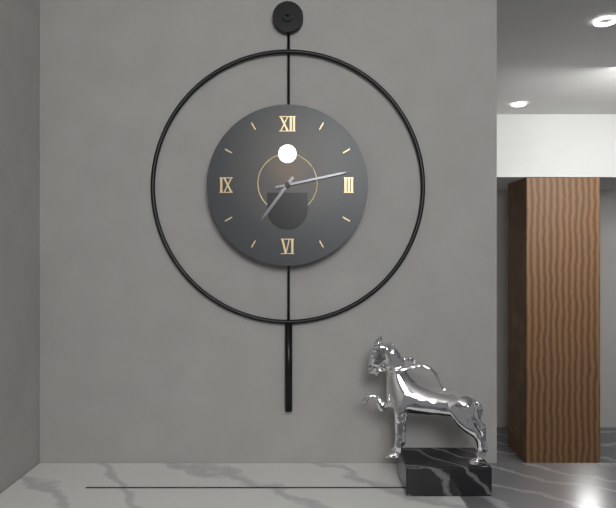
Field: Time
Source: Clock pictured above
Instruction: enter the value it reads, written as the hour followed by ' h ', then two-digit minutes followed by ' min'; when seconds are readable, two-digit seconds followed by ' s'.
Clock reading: 7 h 13 min
